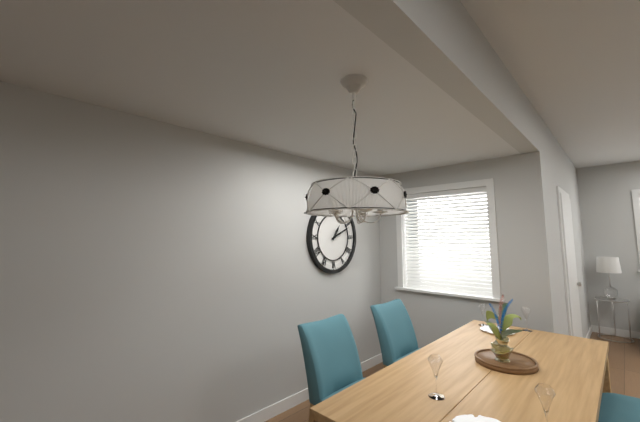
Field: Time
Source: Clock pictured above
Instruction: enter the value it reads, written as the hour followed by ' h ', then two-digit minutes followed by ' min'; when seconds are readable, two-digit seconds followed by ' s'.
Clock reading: 1 h 11 min
